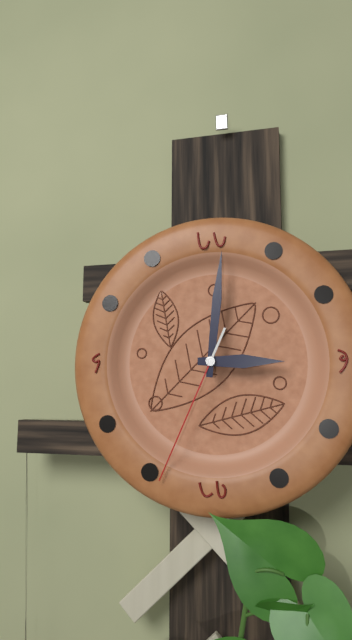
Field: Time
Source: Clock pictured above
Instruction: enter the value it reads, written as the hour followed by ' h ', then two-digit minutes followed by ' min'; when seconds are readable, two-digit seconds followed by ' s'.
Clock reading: 3 h 01 min 34 s
